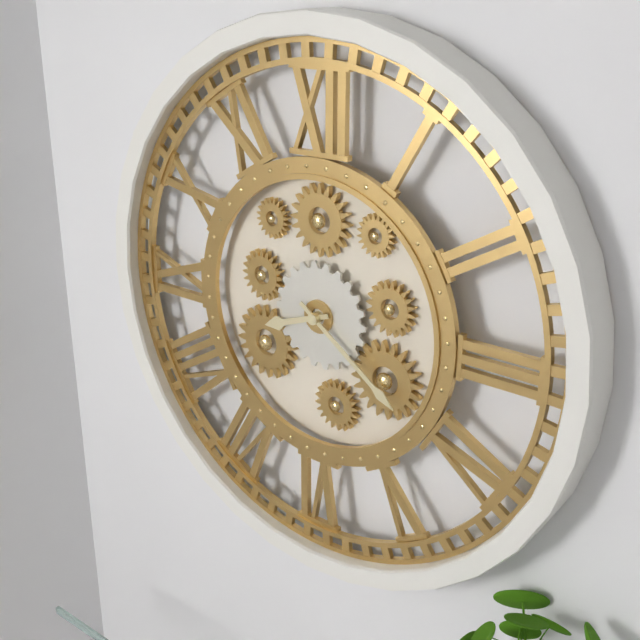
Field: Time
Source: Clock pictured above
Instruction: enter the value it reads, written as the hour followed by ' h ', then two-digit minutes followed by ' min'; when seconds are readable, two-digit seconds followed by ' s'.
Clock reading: 8 h 21 min
